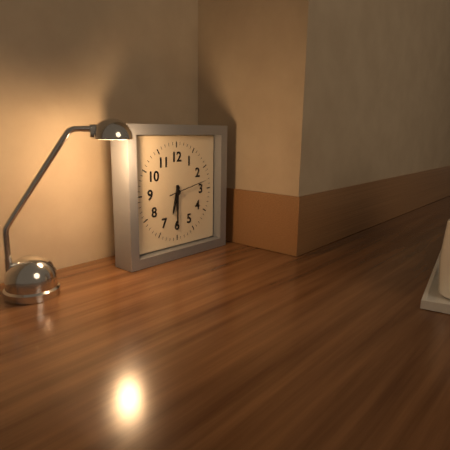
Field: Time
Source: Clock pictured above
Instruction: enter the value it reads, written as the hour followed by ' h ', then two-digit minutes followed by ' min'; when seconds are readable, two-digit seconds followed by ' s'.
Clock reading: 6 h 30 min
